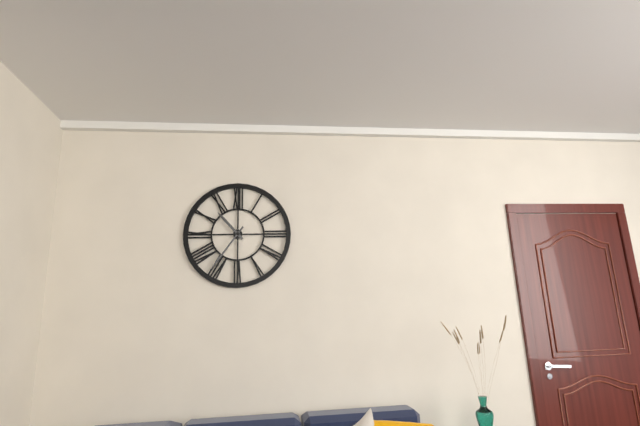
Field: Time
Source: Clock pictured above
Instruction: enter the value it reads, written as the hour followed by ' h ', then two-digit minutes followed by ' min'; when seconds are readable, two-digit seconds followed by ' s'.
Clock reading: 10 h 36 min
